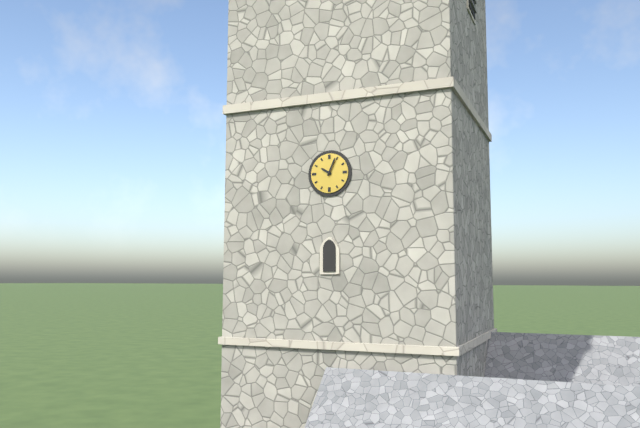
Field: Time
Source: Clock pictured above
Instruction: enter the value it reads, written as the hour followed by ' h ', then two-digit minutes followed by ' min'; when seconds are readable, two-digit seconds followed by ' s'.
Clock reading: 10 h 04 min
